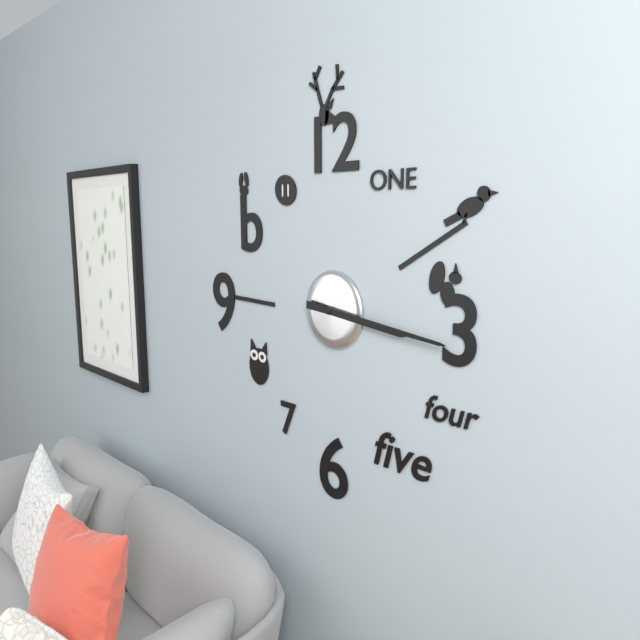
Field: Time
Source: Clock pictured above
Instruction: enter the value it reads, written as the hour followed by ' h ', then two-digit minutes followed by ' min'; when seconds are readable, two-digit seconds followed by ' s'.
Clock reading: 3 h 16 min
